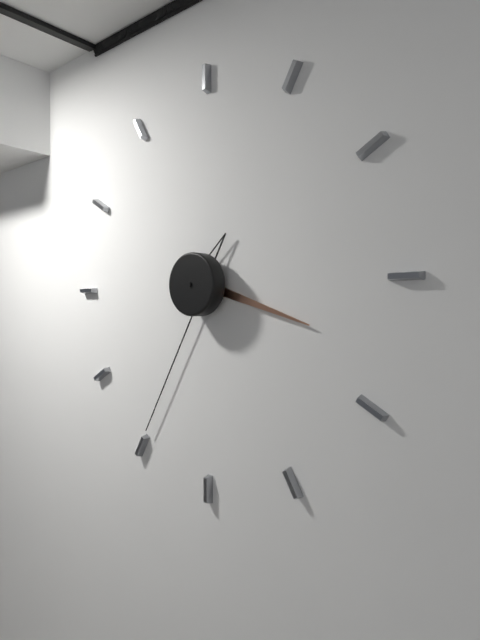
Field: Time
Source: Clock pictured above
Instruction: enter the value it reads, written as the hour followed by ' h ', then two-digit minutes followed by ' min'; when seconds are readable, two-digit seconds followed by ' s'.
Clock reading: 3 h 35 min
